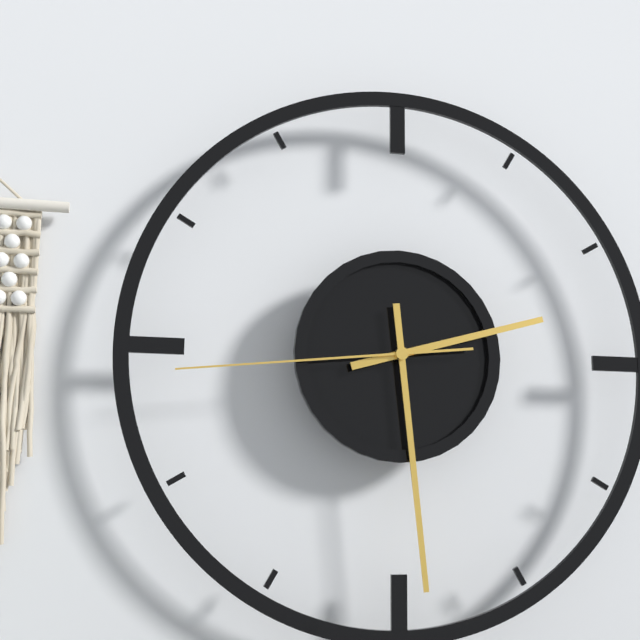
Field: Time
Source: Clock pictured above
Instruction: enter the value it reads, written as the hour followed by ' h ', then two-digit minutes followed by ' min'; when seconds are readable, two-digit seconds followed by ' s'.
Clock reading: 2 h 29 min 44 s
